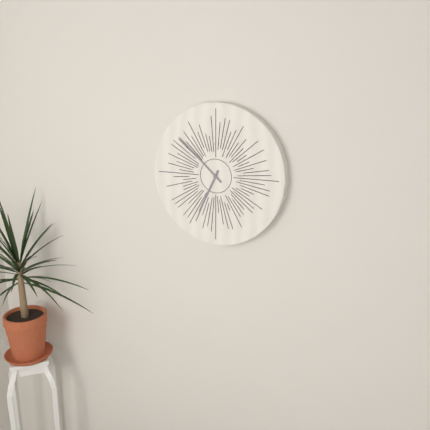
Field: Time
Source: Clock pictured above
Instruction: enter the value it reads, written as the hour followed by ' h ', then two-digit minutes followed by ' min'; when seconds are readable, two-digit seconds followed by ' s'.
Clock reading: 6 h 52 min
